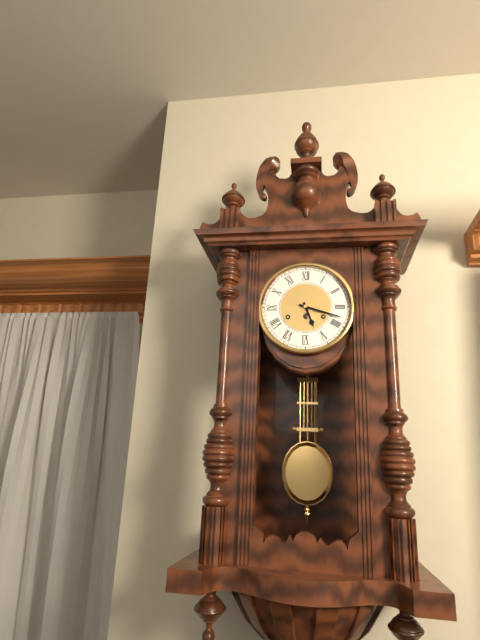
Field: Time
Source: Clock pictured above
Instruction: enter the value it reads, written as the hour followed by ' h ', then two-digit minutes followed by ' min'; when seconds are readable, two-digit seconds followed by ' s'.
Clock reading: 5 h 18 min
